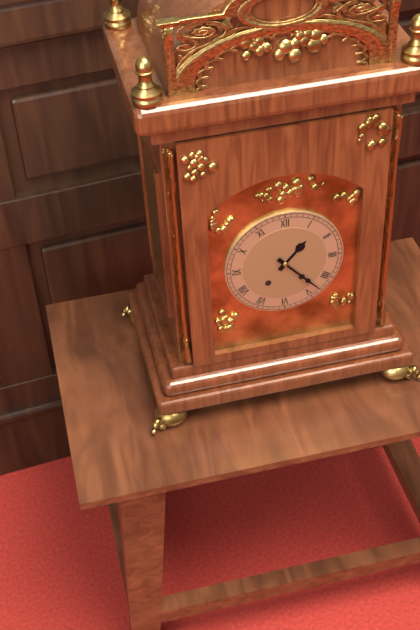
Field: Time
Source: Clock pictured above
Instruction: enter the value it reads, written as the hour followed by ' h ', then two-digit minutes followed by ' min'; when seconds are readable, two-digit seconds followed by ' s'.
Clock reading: 1 h 23 min
